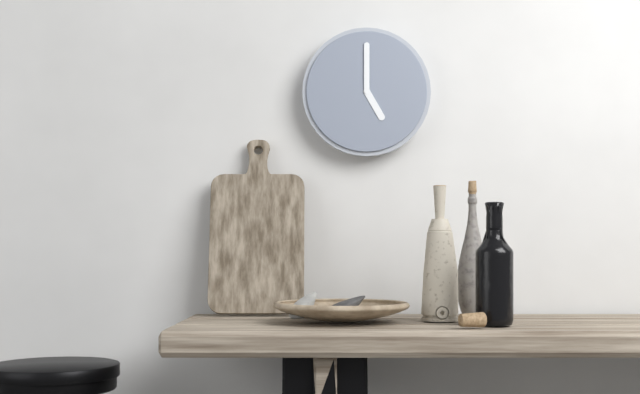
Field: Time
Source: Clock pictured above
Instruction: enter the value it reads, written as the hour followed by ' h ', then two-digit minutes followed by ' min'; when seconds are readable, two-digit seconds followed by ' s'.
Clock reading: 5 h 00 min
